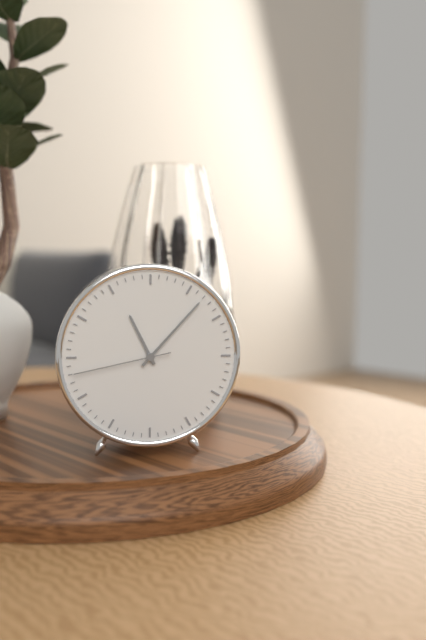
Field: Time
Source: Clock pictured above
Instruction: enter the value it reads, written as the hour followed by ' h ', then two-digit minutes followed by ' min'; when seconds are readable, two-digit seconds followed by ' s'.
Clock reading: 11 h 07 min 43 s
